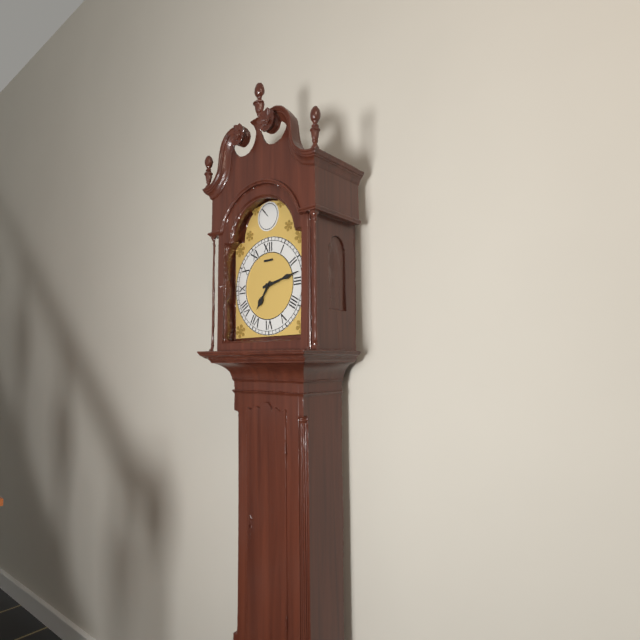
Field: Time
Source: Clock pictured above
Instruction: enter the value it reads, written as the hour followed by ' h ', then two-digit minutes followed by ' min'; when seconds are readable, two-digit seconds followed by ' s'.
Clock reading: 7 h 13 min
